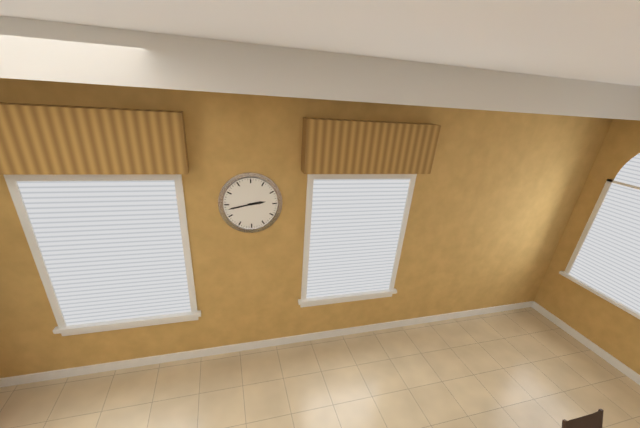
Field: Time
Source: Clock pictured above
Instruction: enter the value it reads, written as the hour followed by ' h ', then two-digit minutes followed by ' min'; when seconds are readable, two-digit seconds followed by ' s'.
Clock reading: 2 h 43 min
